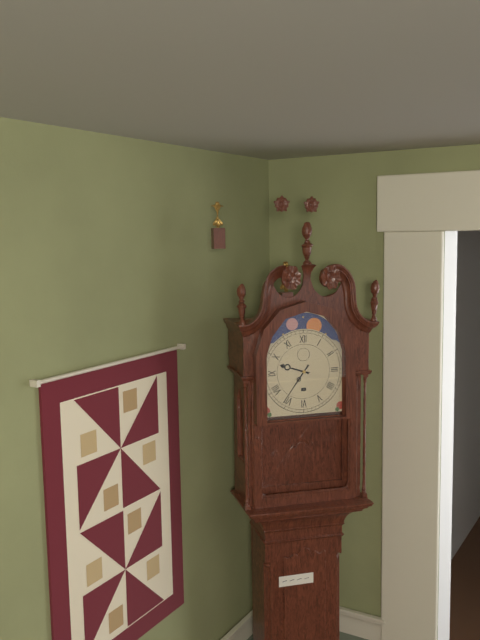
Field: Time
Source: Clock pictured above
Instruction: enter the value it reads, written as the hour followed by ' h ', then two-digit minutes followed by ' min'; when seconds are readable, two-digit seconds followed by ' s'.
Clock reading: 9 h 36 min
